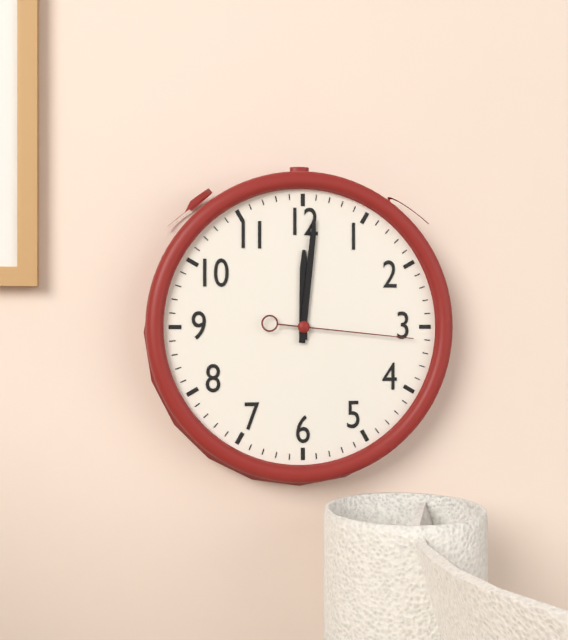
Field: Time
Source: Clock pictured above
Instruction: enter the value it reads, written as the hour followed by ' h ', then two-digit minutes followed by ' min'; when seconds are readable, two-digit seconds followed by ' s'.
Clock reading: 12 h 01 min 16 s
